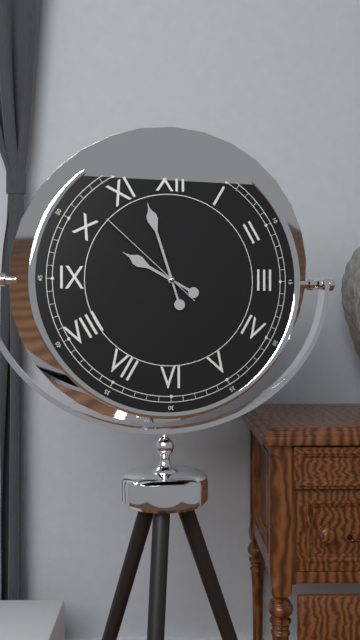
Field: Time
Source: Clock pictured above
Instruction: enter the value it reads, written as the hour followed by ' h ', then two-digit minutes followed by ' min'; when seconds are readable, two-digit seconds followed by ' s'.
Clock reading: 9 h 57 min 52 s
